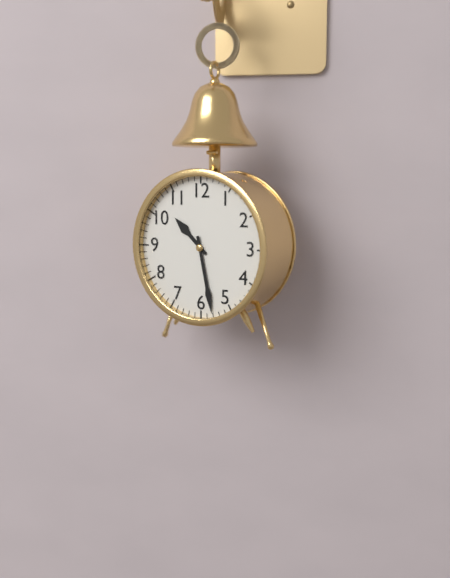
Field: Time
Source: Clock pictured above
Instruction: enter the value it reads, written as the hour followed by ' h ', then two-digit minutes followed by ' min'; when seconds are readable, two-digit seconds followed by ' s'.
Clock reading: 10 h 28 min
